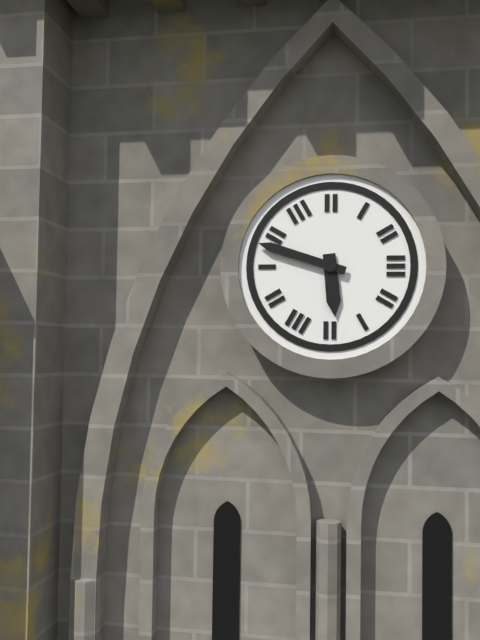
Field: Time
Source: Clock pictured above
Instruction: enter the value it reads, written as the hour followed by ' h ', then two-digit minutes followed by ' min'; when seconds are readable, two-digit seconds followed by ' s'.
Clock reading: 5 h 48 min
